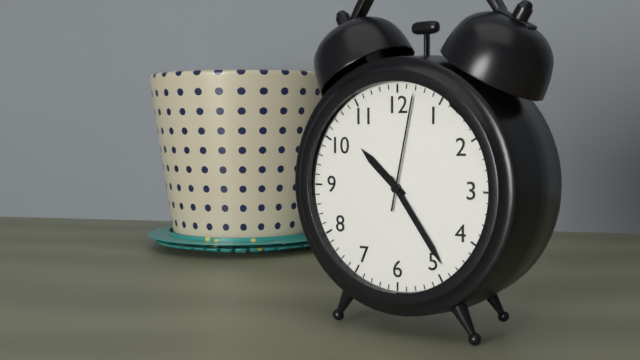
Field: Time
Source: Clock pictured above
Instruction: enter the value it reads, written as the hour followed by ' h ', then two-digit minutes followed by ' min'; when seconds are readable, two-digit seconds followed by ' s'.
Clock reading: 10 h 24 min 02 s
